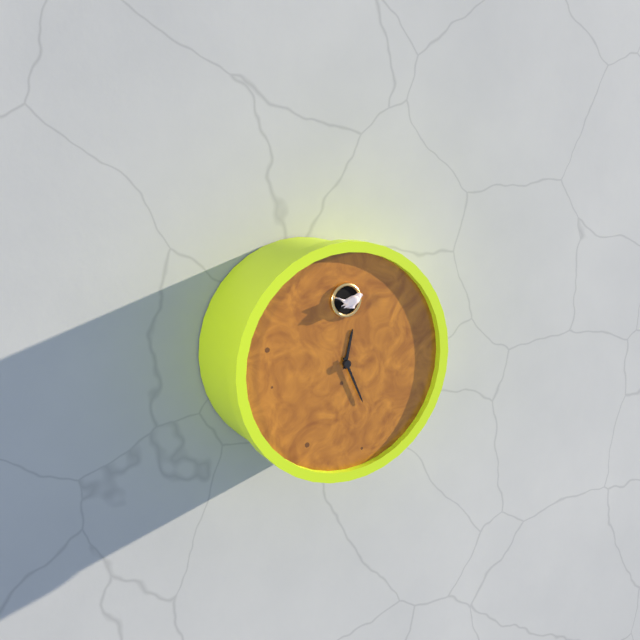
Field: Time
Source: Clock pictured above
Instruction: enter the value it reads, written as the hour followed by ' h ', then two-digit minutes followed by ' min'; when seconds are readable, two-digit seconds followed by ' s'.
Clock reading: 12 h 26 min
